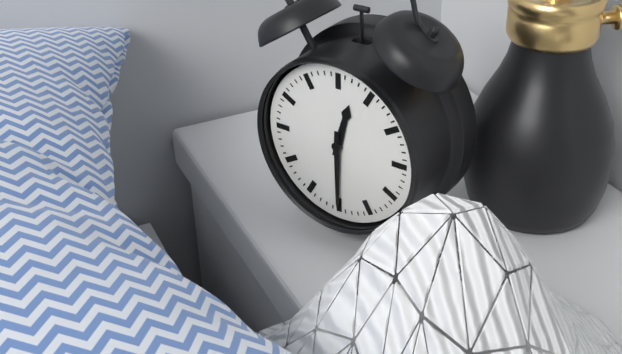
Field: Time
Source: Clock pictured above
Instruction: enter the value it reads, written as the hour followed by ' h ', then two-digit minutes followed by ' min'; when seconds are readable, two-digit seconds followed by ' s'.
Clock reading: 12 h 30 min
